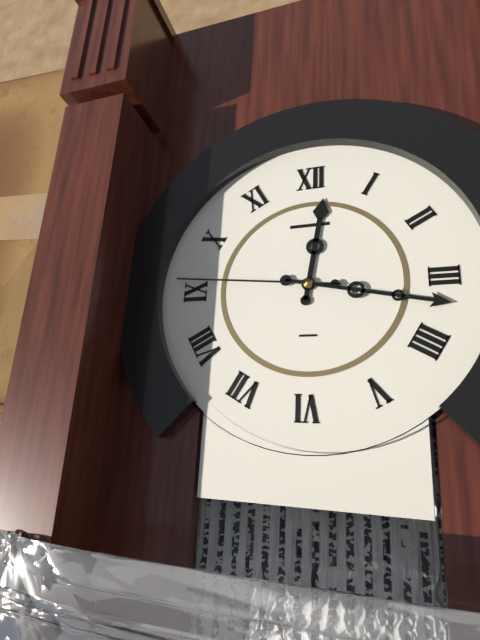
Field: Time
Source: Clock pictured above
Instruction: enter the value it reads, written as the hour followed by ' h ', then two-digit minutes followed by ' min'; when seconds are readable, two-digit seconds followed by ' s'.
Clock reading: 12 h 17 min 46 s
